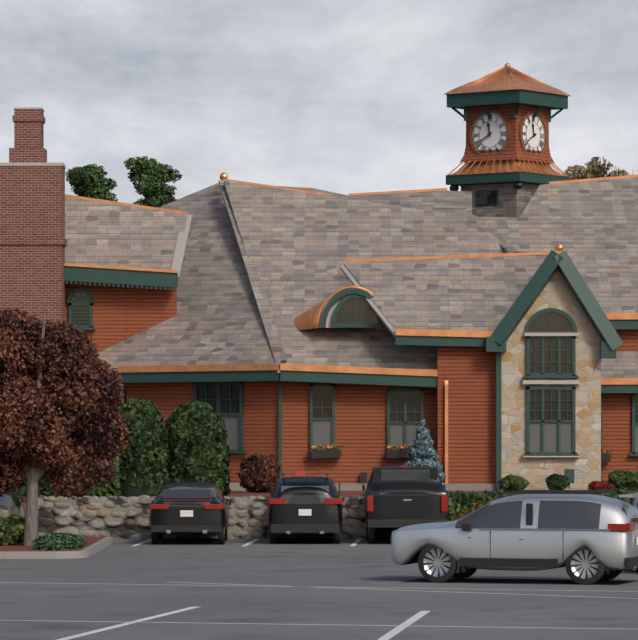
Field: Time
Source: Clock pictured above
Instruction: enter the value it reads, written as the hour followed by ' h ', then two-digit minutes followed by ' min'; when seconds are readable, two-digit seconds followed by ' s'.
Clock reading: 11 h 40 min
